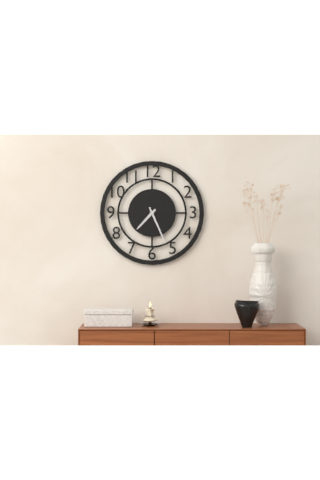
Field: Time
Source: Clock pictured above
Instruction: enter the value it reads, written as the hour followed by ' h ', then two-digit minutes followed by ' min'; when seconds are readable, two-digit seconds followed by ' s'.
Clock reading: 7 h 26 min
